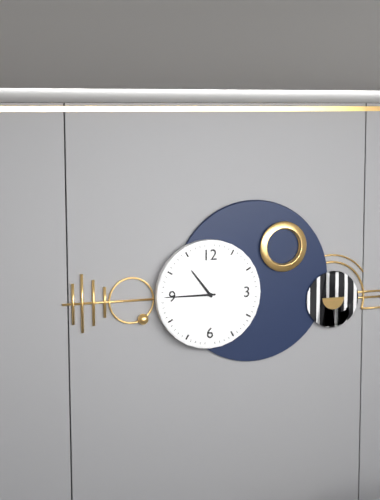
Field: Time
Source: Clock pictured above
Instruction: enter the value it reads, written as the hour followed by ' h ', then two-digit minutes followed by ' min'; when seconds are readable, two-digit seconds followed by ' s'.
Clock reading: 10 h 45 min
